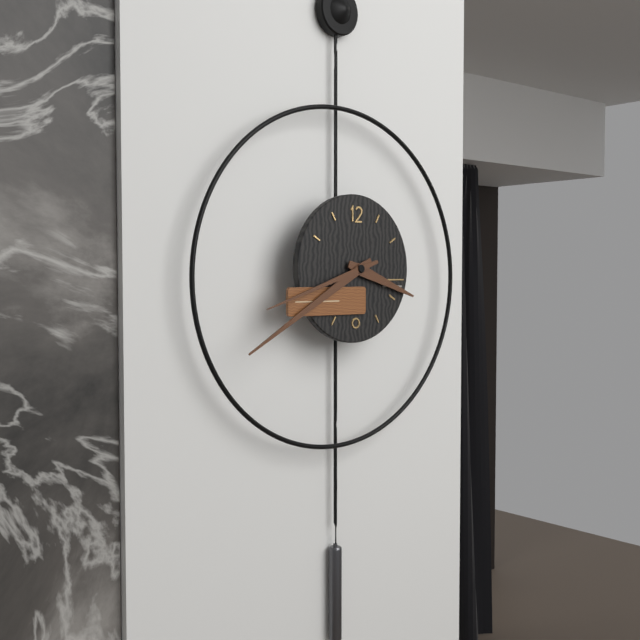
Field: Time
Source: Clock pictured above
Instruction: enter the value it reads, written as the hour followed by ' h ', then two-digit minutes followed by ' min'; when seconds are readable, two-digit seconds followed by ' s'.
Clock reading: 3 h 40 min 42 s
